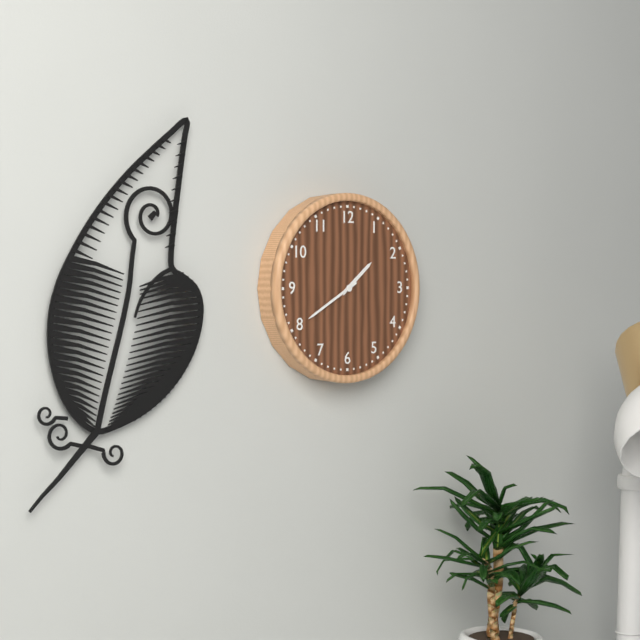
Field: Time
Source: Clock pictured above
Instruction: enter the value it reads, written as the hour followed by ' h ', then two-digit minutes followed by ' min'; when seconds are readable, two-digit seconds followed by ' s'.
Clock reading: 1 h 40 min
